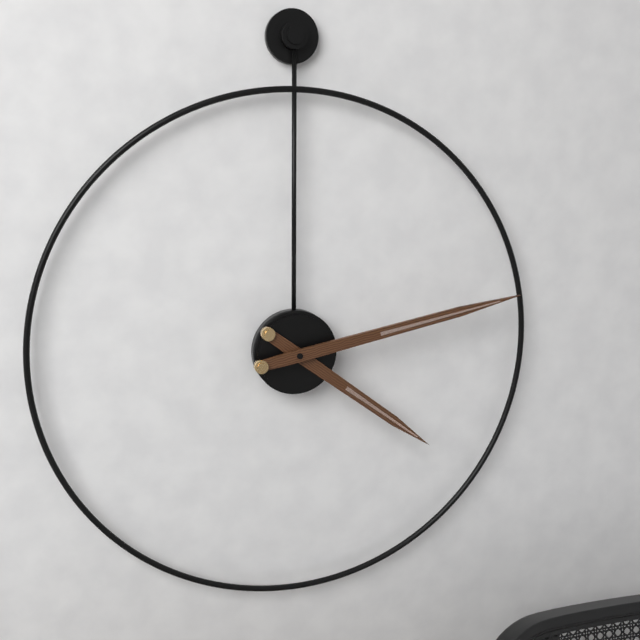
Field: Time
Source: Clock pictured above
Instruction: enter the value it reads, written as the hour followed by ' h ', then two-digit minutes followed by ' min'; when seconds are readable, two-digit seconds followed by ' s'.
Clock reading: 4 h 13 min
